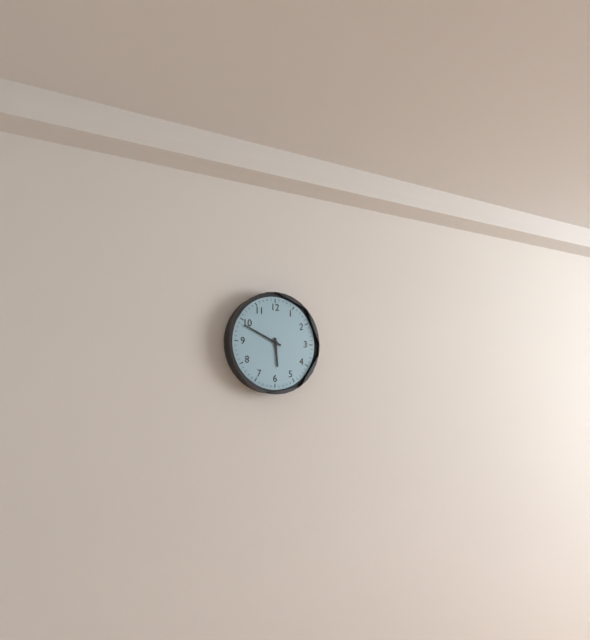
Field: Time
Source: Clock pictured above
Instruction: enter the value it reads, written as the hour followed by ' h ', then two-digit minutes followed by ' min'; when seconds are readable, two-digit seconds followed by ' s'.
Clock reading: 5 h 49 min
